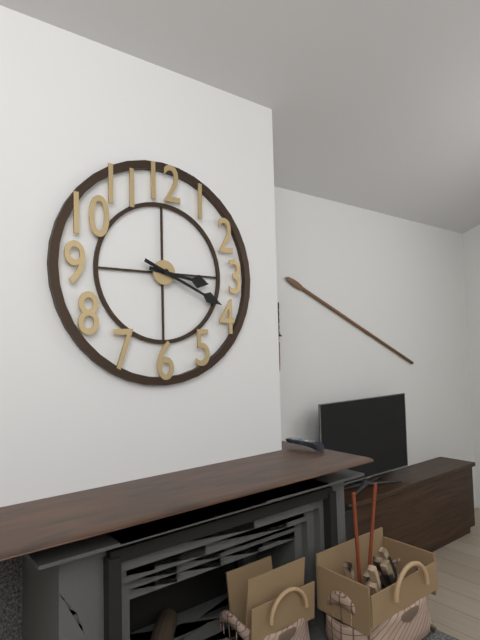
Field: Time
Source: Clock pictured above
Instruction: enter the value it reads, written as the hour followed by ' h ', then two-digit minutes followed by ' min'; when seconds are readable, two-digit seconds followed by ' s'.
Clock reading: 3 h 19 min
